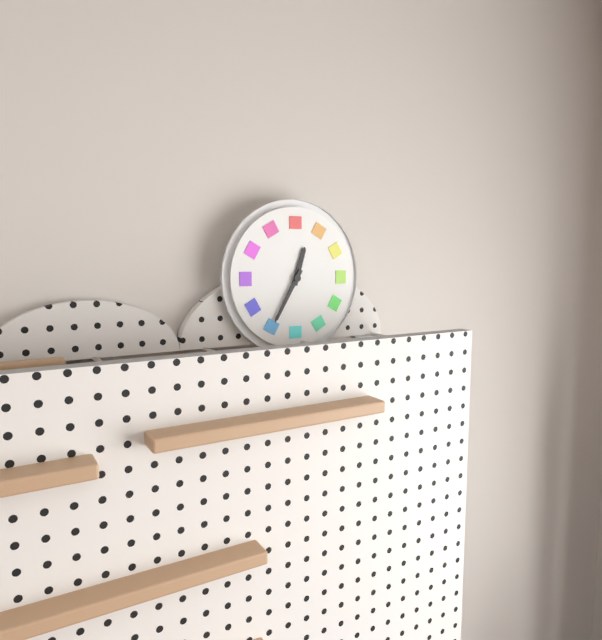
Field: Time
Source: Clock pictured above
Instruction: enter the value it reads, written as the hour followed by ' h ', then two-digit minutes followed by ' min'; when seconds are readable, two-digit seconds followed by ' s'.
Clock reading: 12 h 35 min
